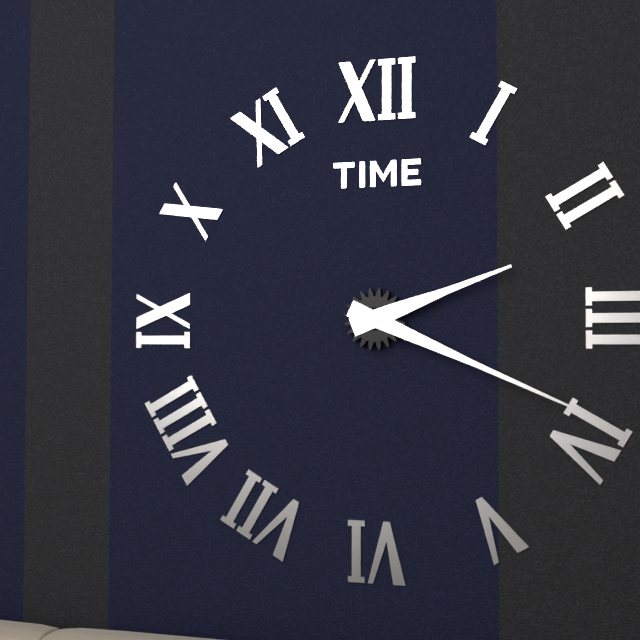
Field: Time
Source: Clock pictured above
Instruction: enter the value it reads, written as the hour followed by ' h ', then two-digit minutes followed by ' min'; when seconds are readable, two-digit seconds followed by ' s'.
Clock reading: 2 h 19 min
